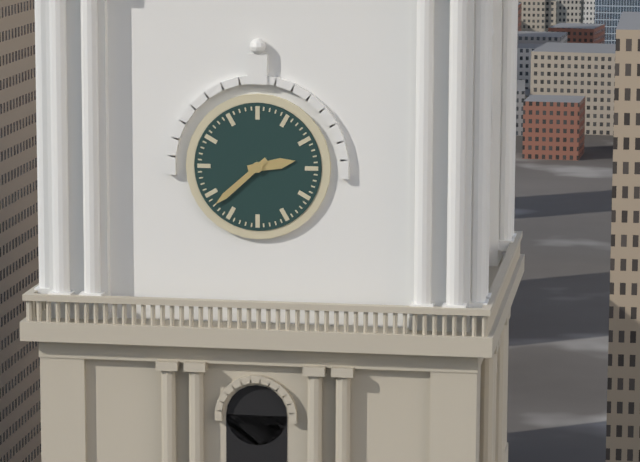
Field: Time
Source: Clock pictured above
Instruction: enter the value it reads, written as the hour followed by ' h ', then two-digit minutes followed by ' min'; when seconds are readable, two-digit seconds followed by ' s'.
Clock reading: 2 h 38 min
